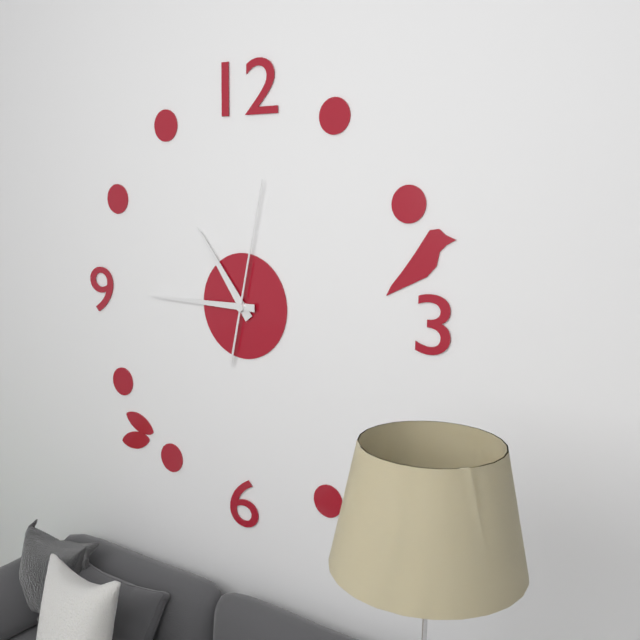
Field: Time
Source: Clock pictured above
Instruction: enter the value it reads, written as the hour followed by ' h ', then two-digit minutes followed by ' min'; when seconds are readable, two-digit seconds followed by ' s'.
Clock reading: 10 h 45 min 02 s
